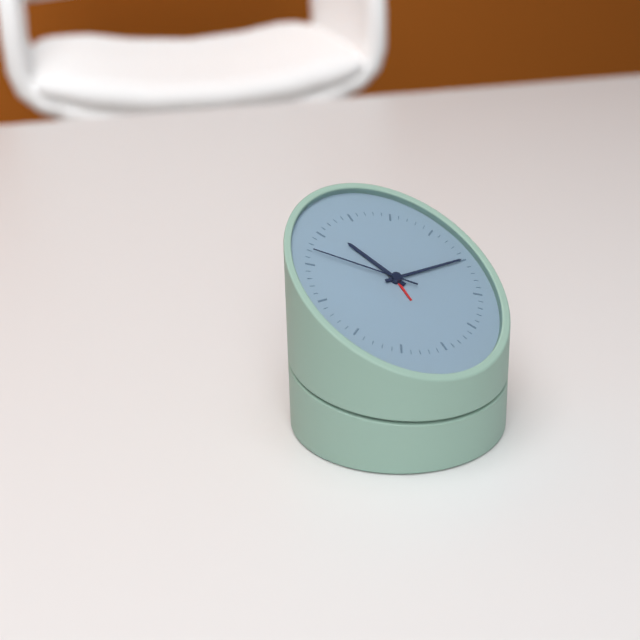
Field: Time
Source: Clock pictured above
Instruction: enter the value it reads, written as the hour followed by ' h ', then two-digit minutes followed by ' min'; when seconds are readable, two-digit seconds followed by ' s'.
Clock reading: 11 h 15 min 52 s
